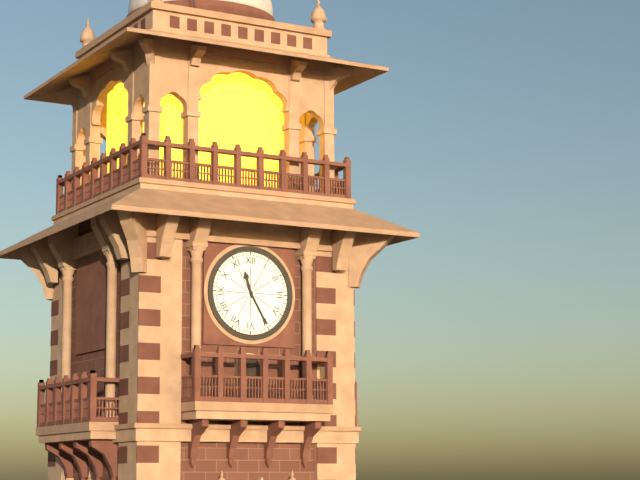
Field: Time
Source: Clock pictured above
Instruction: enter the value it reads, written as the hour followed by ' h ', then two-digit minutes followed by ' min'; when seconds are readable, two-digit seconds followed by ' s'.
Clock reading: 11 h 25 min
